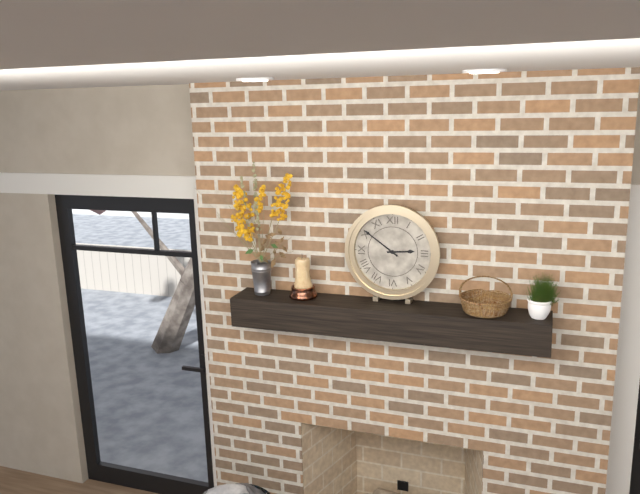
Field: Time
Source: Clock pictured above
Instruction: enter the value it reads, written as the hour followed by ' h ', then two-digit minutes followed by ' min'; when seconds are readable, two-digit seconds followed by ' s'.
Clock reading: 2 h 51 min
